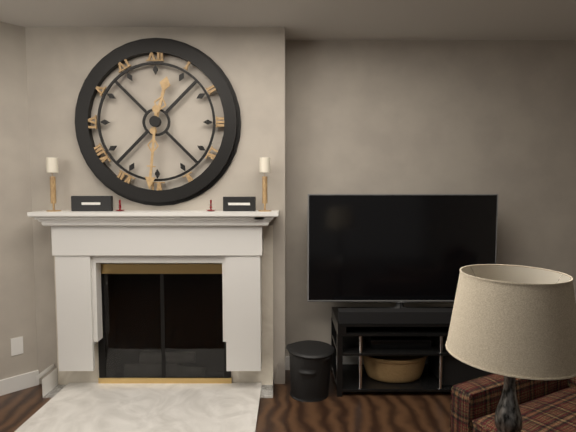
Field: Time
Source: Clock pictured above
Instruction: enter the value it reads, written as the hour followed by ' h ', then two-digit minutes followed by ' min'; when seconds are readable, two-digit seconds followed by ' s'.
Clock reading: 12 h 31 min
